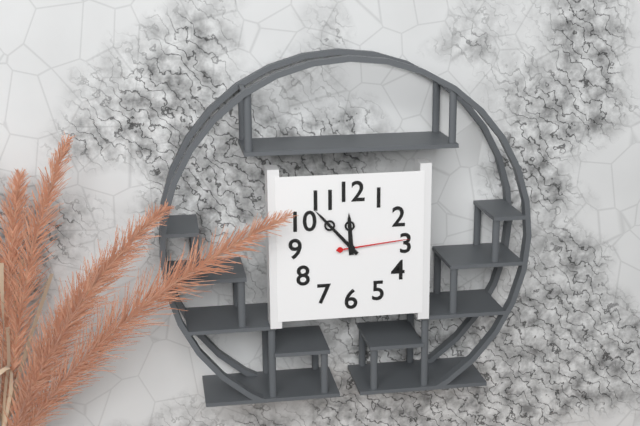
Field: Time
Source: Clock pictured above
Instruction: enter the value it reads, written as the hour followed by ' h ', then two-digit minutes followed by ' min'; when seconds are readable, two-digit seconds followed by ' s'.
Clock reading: 11 h 53 min 14 s
